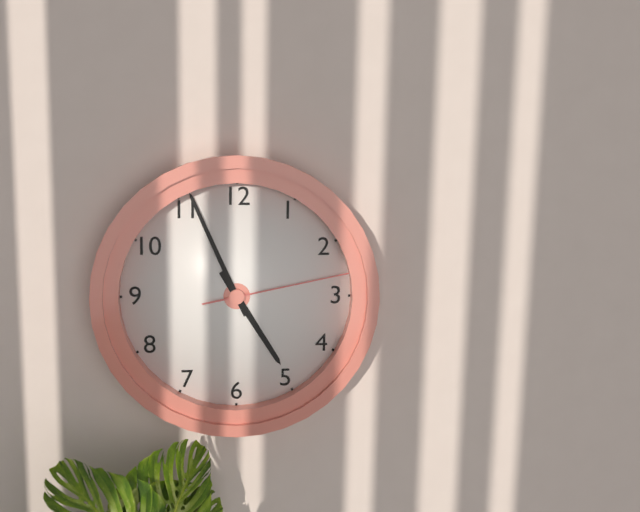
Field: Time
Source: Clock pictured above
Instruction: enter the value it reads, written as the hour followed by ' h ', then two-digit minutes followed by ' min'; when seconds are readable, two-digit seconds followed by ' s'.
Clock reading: 4 h 56 min 13 s
